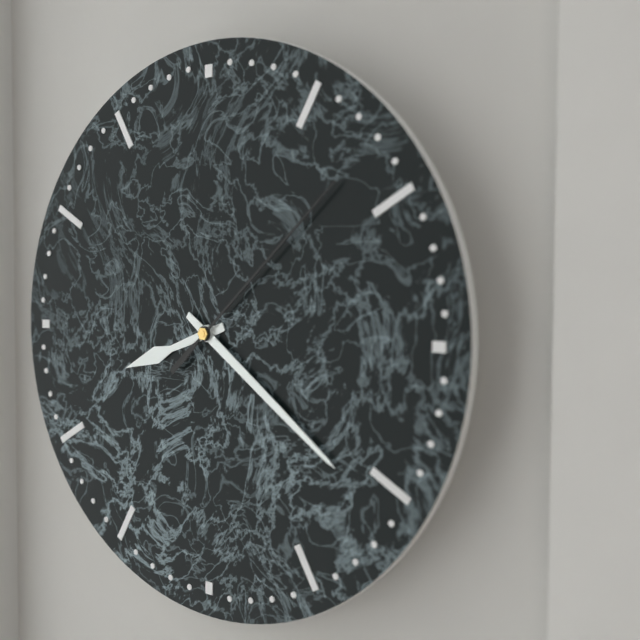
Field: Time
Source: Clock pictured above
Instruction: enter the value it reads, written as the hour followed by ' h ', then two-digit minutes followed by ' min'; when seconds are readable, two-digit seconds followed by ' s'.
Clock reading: 8 h 21 min 08 s
